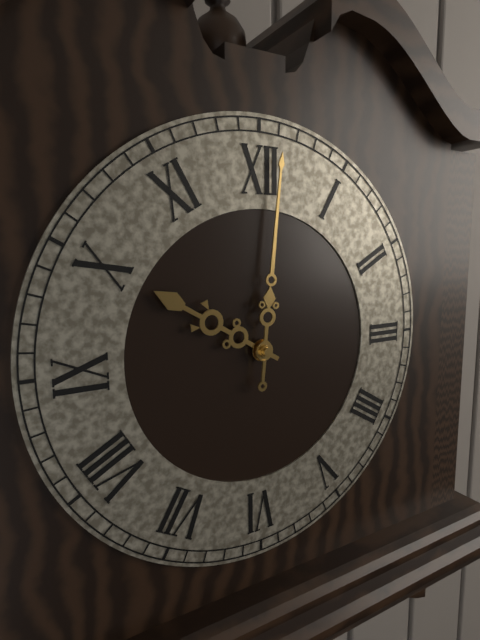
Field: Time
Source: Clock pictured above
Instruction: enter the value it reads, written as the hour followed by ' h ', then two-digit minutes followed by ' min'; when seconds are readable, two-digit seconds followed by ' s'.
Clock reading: 10 h 01 min
